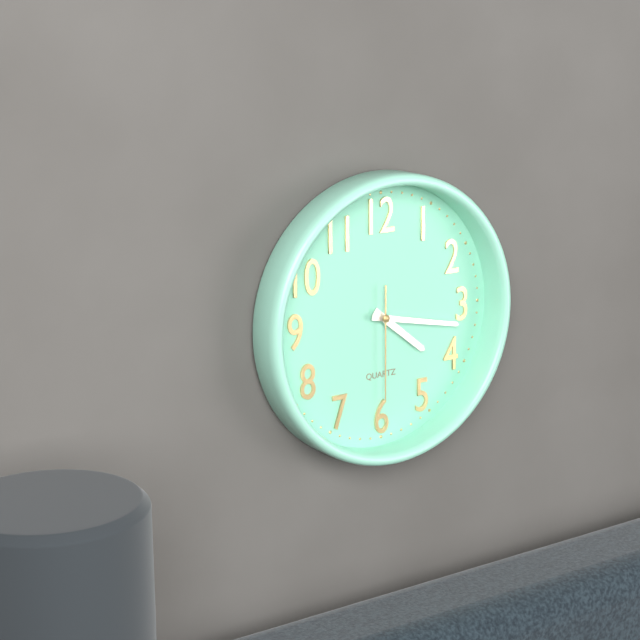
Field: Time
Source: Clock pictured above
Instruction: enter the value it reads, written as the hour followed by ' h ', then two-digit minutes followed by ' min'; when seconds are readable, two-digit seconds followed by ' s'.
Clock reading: 4 h 17 min 30 s
